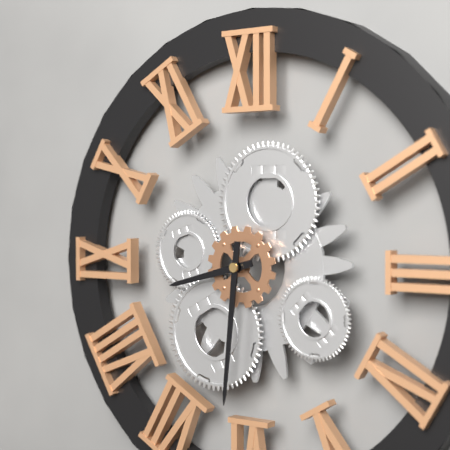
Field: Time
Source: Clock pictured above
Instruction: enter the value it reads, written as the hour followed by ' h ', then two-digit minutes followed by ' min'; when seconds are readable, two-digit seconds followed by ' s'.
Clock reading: 8 h 31 min
